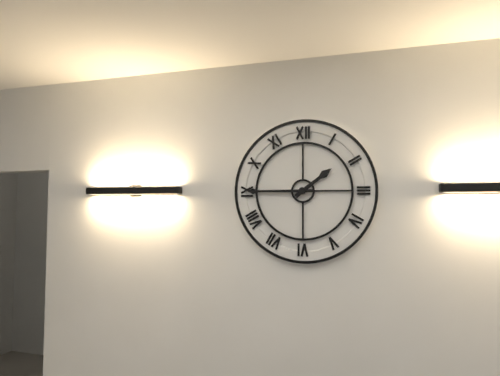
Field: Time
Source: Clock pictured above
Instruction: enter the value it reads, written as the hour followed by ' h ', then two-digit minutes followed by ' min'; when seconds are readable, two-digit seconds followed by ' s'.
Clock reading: 1 h 45 min
